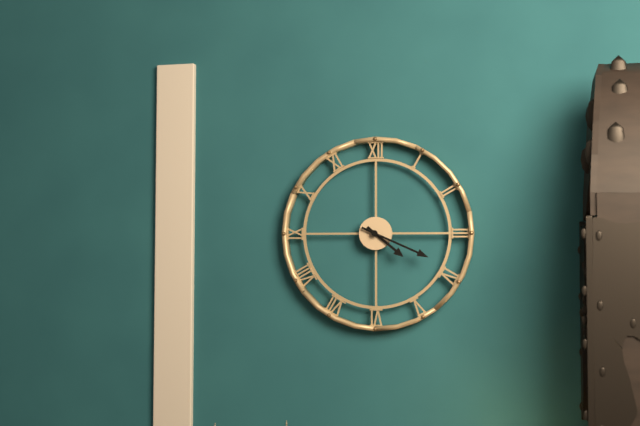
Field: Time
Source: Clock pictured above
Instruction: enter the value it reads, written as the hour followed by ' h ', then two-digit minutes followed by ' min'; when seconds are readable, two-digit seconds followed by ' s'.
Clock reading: 4 h 19 min
